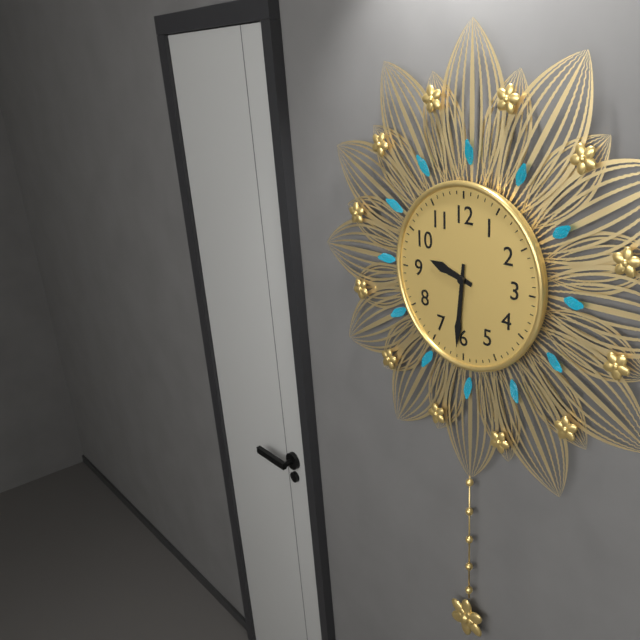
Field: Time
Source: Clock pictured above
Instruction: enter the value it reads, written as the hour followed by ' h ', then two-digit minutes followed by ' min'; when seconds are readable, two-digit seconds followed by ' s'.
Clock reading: 9 h 31 min
